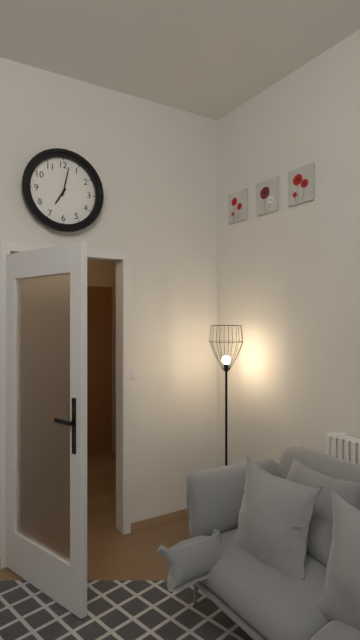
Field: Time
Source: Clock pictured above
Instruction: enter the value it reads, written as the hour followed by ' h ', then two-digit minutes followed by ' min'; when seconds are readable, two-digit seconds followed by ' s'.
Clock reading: 7 h 02 min
